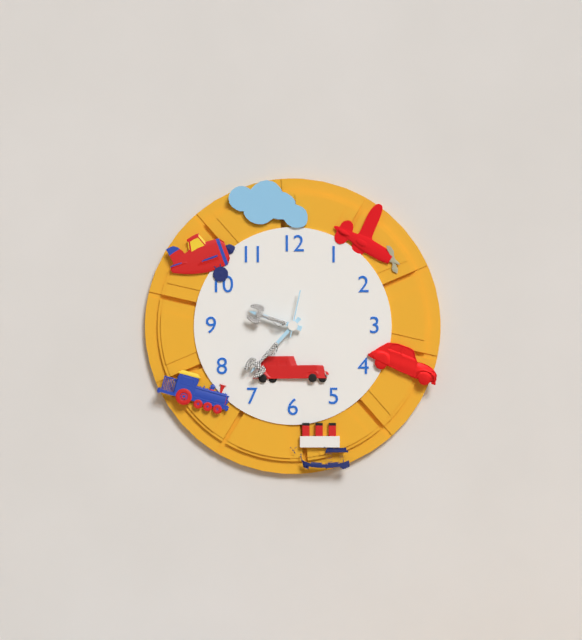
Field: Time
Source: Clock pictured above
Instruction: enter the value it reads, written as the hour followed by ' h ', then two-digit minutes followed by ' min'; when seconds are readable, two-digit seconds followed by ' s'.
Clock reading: 9 h 37 min
